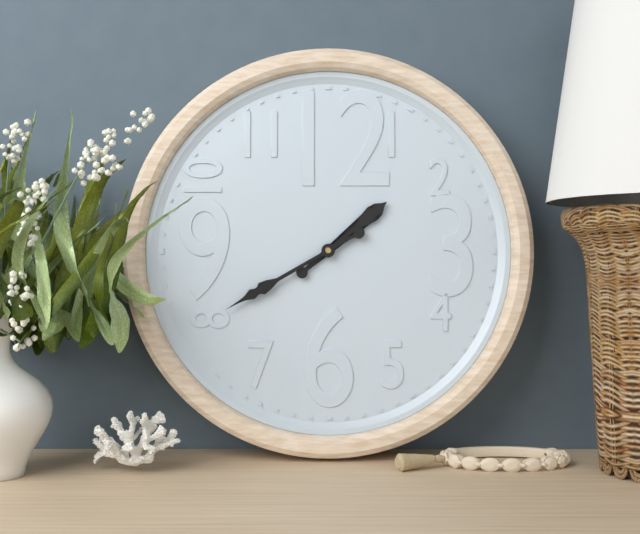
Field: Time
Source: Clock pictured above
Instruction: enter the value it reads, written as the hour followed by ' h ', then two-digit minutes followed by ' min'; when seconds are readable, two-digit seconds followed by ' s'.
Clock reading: 1 h 40 min
